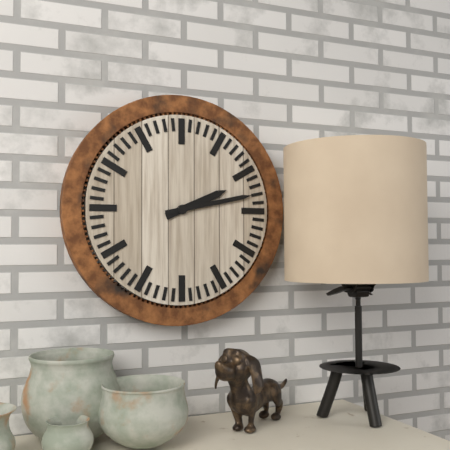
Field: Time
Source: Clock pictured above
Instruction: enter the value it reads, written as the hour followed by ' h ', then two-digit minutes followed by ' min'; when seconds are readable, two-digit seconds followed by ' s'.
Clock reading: 2 h 13 min
